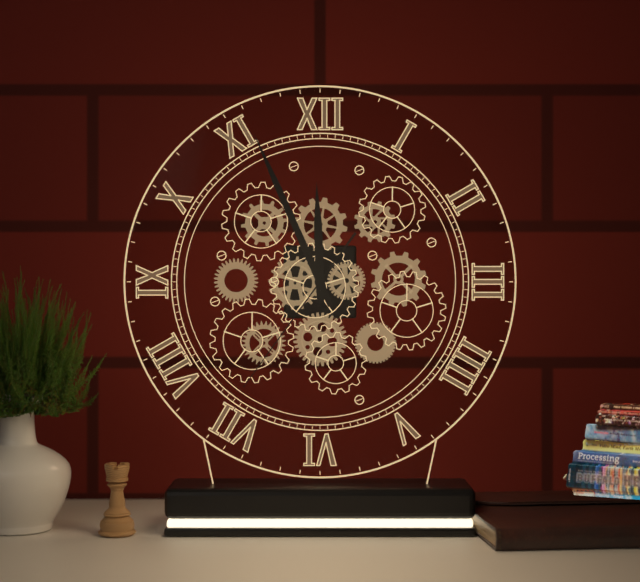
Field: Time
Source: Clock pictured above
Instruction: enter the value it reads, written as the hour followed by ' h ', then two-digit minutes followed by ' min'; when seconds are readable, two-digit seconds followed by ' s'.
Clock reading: 11 h 56 min 36 s
